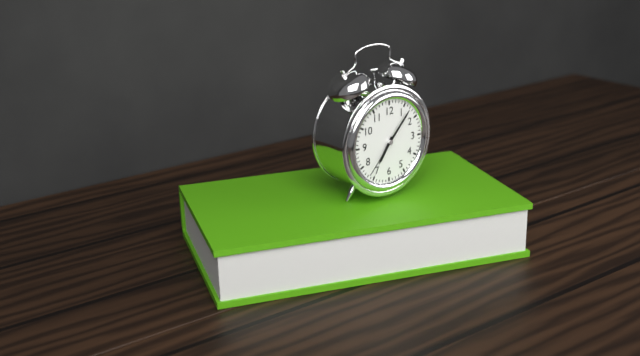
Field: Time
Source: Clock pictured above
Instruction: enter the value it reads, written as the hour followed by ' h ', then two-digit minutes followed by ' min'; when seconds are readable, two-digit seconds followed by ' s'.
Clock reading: 7 h 07 min
